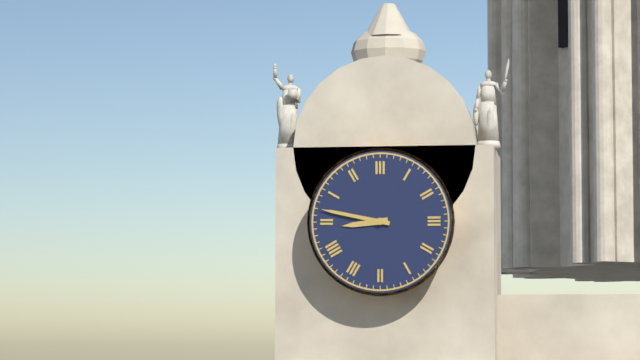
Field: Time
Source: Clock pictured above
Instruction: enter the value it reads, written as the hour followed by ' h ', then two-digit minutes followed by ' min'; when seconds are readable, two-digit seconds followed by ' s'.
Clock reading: 8 h 47 min
